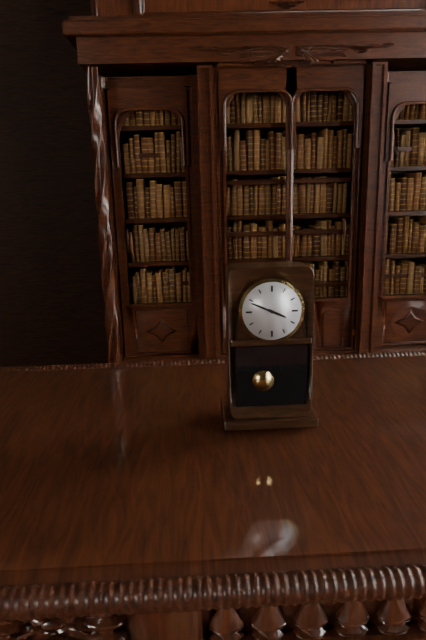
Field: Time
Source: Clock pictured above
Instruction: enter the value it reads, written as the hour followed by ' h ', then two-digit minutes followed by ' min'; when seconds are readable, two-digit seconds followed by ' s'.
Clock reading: 3 h 49 min
